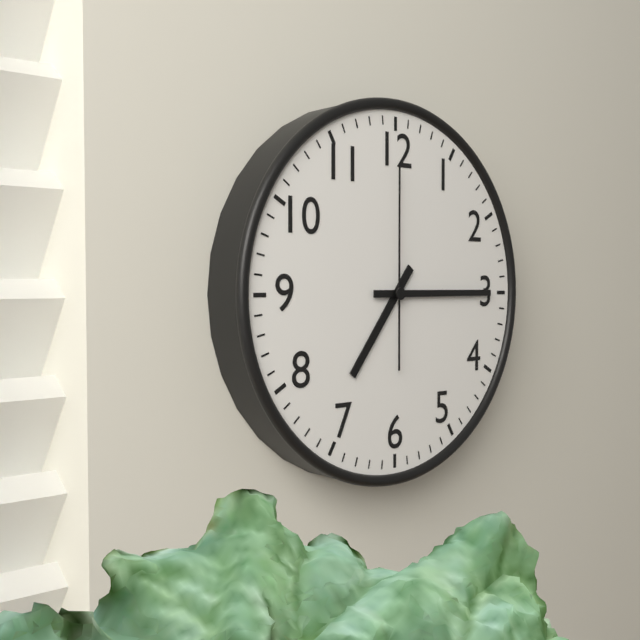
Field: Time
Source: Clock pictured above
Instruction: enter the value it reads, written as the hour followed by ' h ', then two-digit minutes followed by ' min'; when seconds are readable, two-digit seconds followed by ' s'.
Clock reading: 7 h 15 min 00 s
